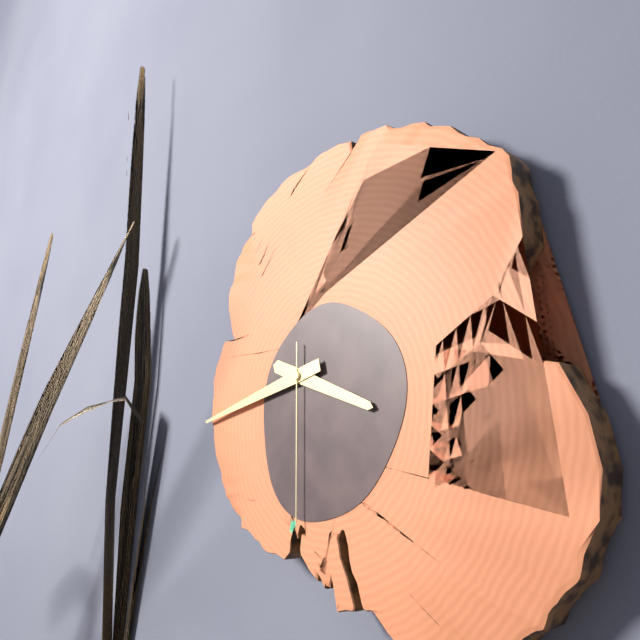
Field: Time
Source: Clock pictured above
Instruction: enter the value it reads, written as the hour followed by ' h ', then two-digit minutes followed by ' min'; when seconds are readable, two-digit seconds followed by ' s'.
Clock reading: 3 h 43 min 30 s
